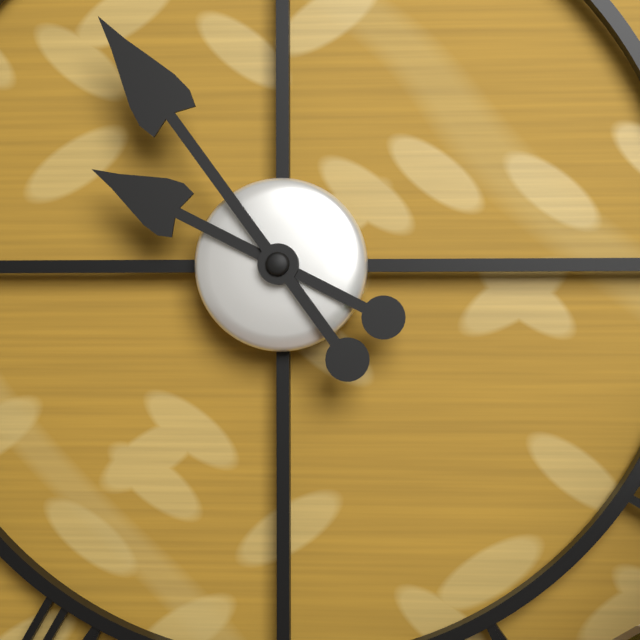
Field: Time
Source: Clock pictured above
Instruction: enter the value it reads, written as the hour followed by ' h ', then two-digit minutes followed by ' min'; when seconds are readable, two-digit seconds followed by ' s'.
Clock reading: 9 h 54 min
